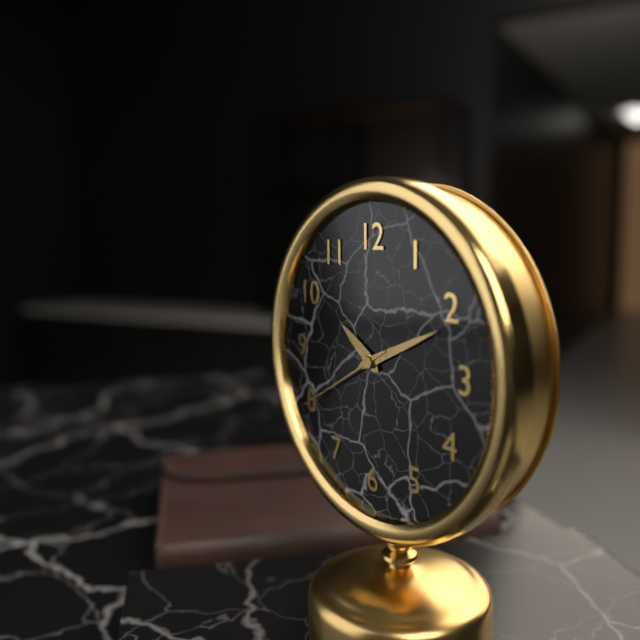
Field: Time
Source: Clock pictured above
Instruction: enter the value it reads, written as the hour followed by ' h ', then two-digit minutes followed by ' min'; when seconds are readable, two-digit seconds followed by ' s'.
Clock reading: 10 h 11 min 40 s
